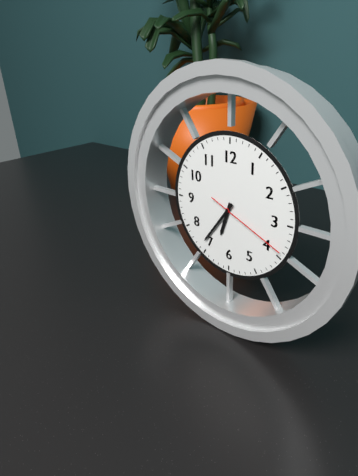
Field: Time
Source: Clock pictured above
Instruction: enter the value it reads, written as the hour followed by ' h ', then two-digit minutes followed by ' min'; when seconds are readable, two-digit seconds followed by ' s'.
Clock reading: 6 h 36 min 19 s
